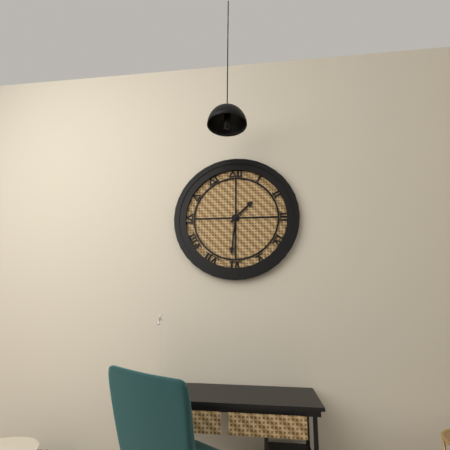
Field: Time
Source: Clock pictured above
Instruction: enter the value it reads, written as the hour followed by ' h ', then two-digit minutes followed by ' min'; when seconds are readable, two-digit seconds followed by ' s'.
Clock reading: 1 h 31 min
